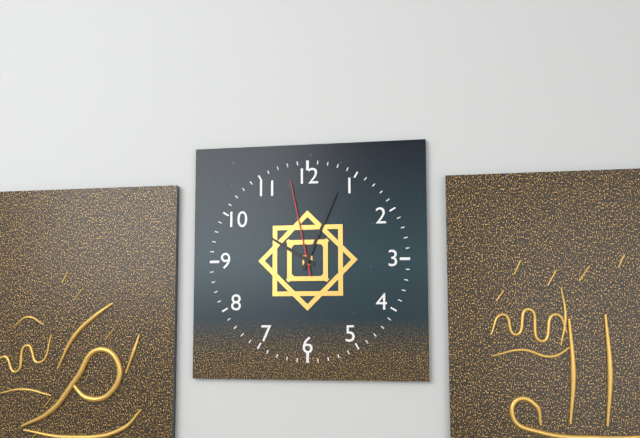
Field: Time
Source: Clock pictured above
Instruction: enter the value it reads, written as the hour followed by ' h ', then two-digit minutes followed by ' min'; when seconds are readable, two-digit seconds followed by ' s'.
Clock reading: 10 h 04 min 58 s
